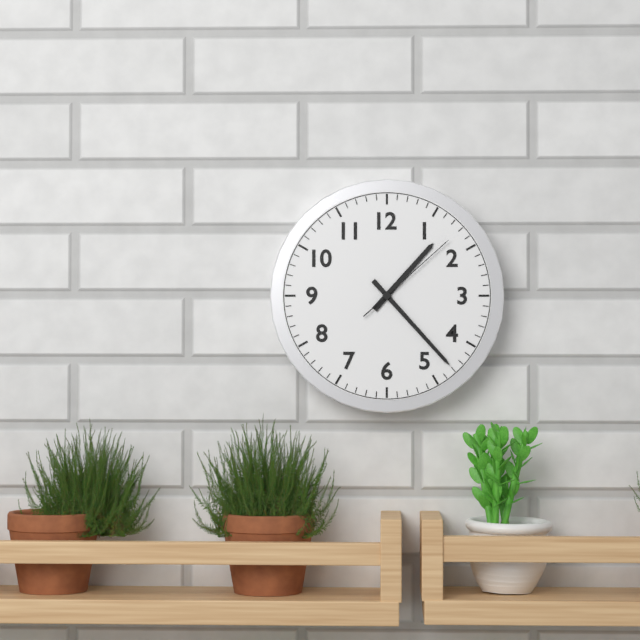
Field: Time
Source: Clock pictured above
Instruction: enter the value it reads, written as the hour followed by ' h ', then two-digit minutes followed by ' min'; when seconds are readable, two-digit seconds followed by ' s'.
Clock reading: 1 h 23 min 08 s
